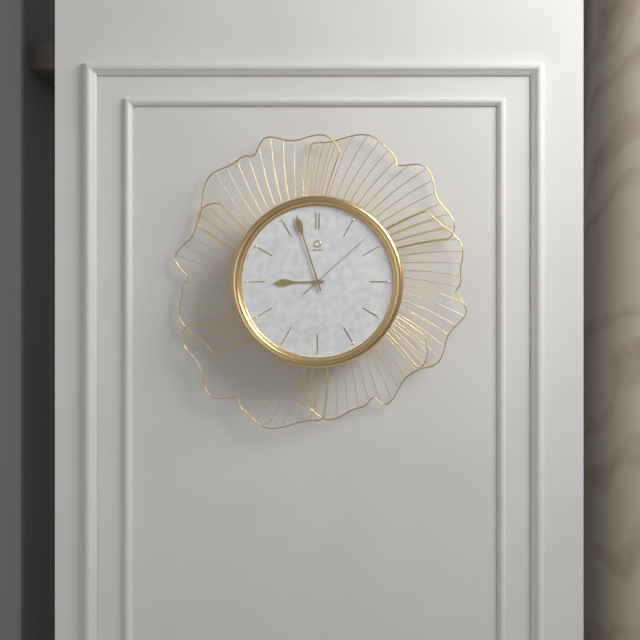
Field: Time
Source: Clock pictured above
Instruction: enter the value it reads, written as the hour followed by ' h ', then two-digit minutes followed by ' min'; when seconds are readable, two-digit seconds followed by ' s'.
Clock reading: 8 h 57 min 08 s
